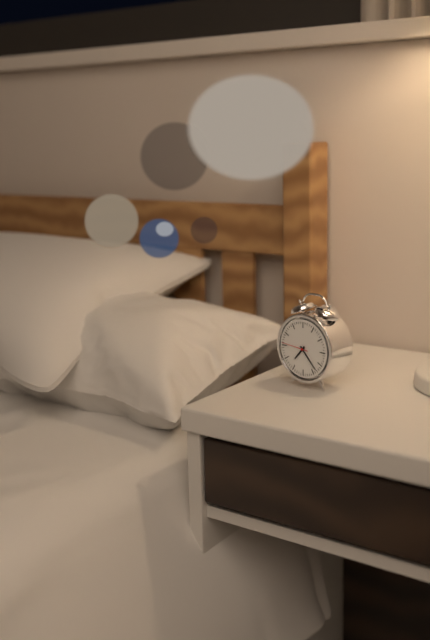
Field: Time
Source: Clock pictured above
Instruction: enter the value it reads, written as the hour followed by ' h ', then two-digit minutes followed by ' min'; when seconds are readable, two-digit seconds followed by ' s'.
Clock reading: 7 h 23 min
